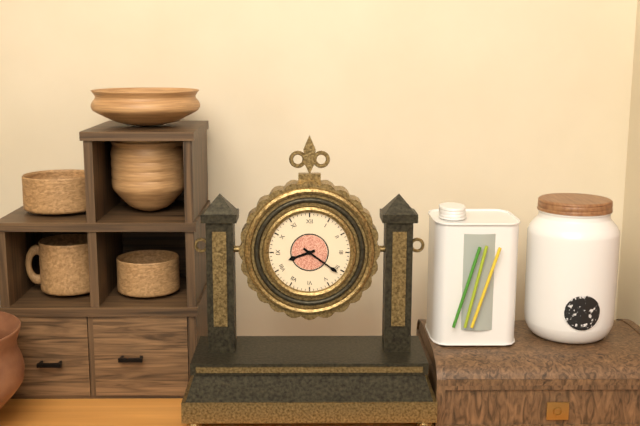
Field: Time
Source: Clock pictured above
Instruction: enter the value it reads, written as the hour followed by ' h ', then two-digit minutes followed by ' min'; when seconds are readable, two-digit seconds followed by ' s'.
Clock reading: 8 h 21 min
